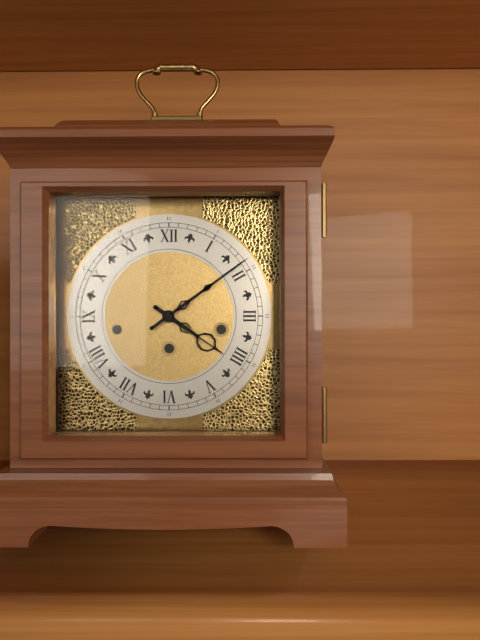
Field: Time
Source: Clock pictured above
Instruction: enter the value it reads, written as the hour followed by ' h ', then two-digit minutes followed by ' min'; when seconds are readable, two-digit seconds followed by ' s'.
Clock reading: 4 h 09 min
